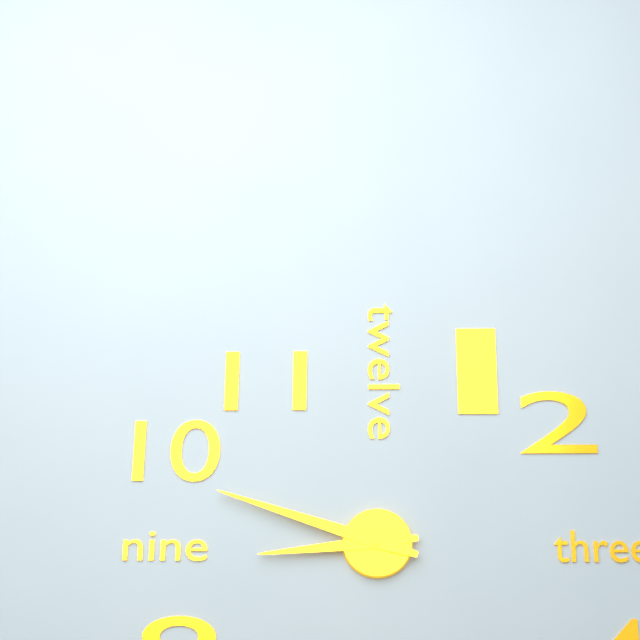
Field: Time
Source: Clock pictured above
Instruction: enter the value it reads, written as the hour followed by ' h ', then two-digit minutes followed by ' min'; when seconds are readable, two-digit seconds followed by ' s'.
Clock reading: 8 h 48 min
